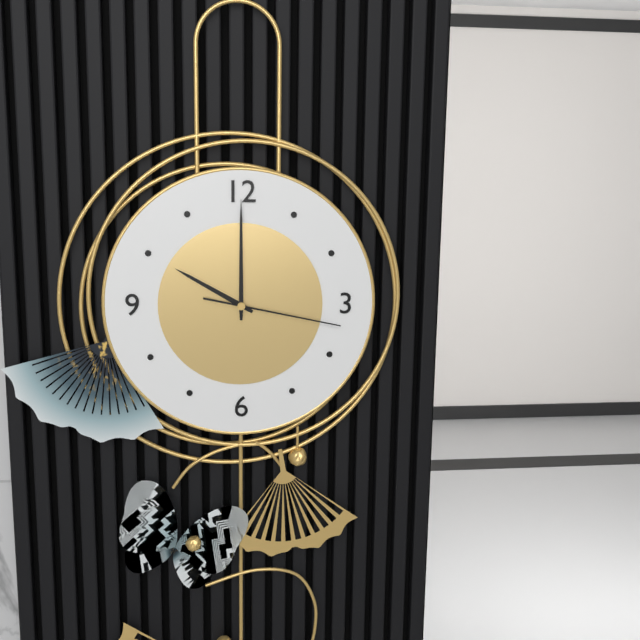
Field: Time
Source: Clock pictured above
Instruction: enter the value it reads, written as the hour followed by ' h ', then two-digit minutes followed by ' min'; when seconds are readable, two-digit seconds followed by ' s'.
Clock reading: 10 h 00 min 17 s
